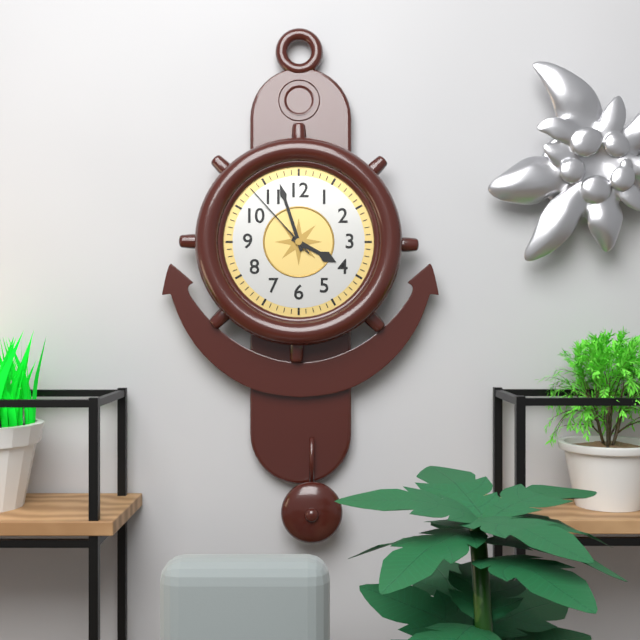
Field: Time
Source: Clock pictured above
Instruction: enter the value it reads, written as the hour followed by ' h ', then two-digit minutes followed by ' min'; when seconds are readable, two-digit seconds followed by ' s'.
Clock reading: 3 h 57 min 53 s
